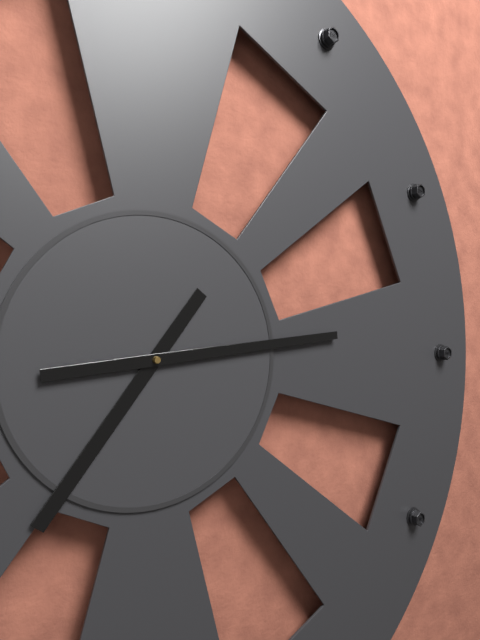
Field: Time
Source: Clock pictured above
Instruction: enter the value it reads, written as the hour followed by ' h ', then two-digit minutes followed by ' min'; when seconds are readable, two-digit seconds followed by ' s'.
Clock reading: 7 h 14 min
